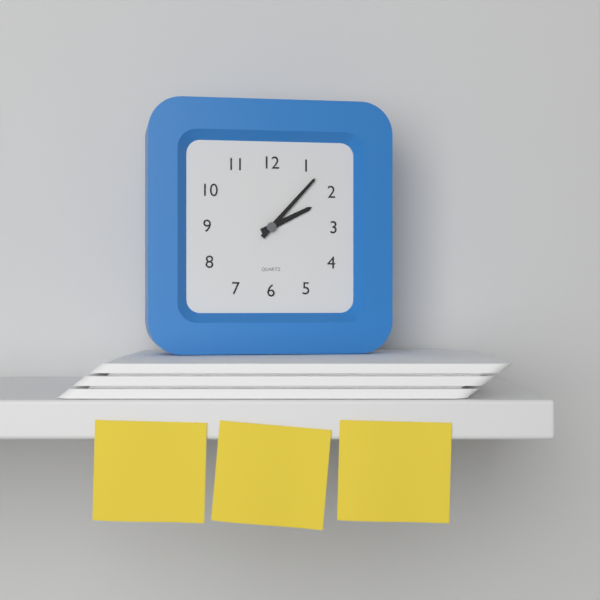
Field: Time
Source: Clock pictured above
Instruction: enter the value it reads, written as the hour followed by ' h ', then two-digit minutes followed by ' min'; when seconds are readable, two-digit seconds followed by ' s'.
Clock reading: 2 h 07 min
